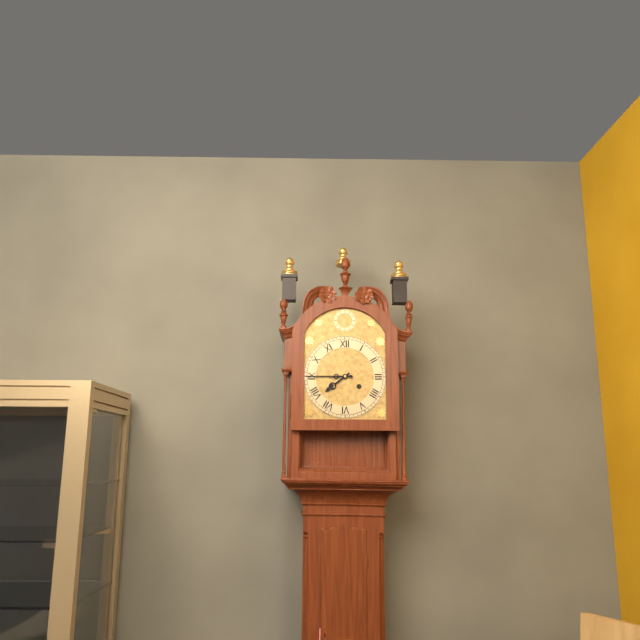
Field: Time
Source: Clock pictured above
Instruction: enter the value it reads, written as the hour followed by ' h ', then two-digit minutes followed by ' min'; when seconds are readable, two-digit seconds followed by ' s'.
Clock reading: 7 h 45 min
